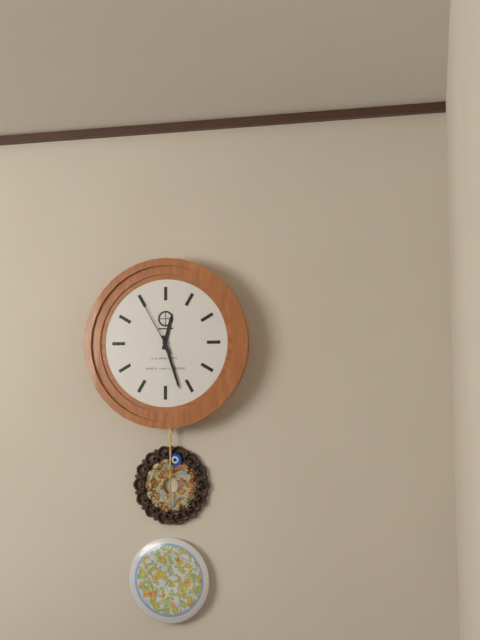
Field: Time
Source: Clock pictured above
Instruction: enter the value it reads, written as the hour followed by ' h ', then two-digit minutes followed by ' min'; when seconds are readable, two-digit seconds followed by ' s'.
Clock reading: 12 h 27 min 55 s
